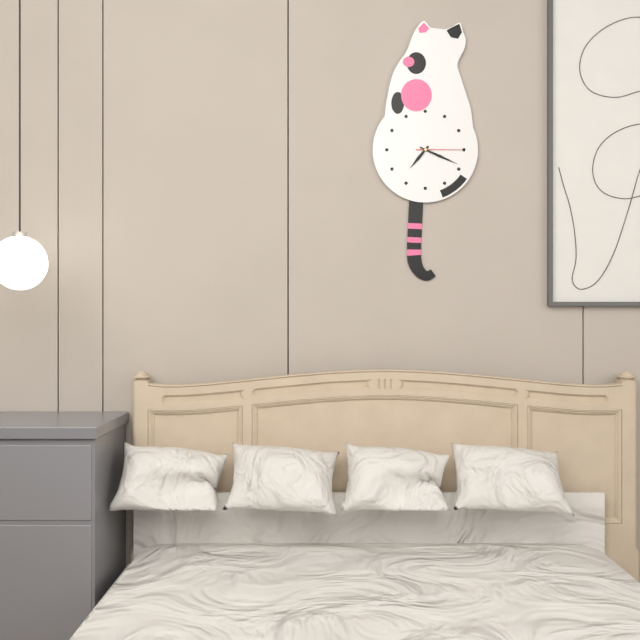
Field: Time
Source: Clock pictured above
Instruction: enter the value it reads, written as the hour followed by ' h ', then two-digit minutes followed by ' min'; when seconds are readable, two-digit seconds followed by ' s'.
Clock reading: 7 h 19 min
